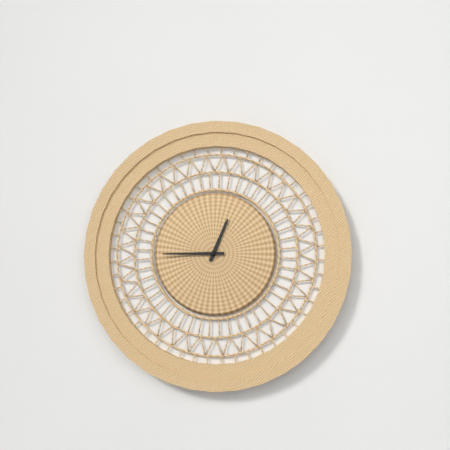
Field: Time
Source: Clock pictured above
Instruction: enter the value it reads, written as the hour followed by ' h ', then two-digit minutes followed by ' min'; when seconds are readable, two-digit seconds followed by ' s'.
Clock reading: 12 h 45 min
